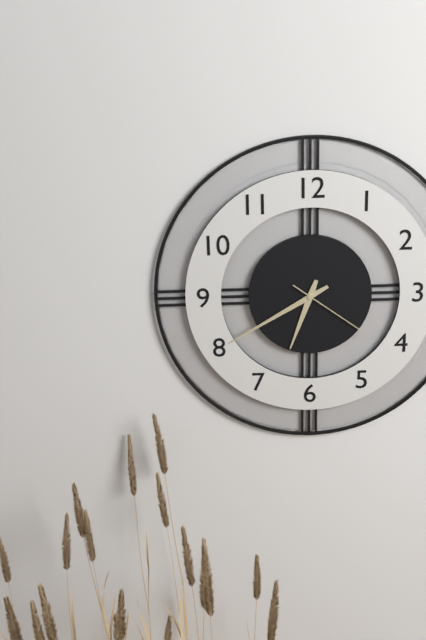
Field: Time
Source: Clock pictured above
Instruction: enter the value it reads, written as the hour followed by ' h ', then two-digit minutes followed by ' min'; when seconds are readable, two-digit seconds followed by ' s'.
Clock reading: 6 h 40 min 21 s
